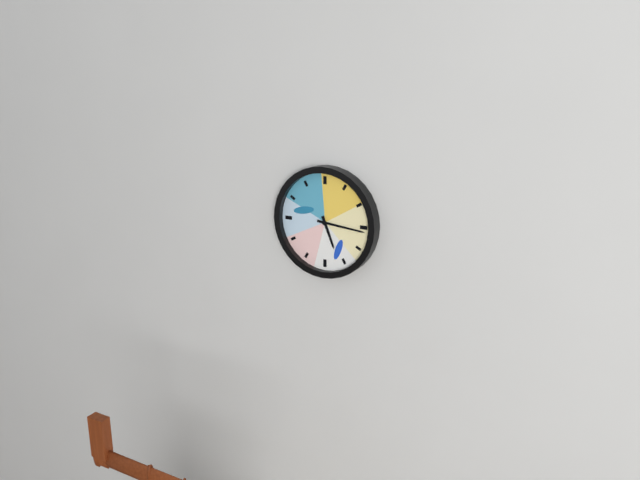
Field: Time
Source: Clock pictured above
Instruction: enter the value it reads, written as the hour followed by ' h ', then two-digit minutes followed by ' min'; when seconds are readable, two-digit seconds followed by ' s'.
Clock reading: 5 h 16 min
